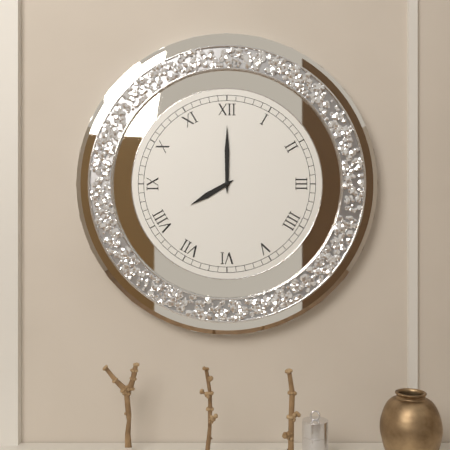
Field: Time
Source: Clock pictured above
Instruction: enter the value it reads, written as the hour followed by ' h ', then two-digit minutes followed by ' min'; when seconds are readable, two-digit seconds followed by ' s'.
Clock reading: 8 h 00 min
